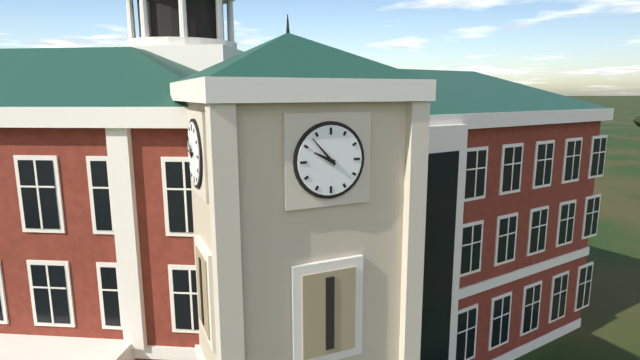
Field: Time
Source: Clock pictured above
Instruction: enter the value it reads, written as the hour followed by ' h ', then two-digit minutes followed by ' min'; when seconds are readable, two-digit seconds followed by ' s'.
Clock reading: 9 h 53 min
